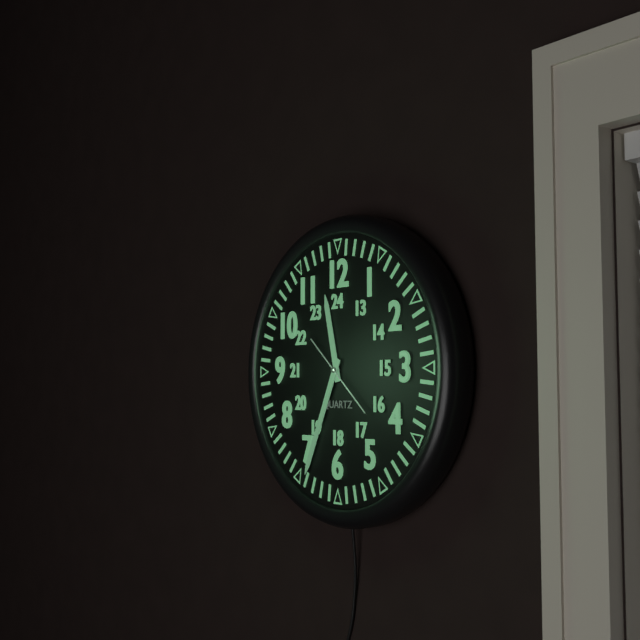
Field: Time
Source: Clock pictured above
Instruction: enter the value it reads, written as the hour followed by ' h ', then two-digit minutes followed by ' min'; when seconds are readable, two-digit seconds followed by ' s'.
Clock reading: 11 h 34 min 22 s
